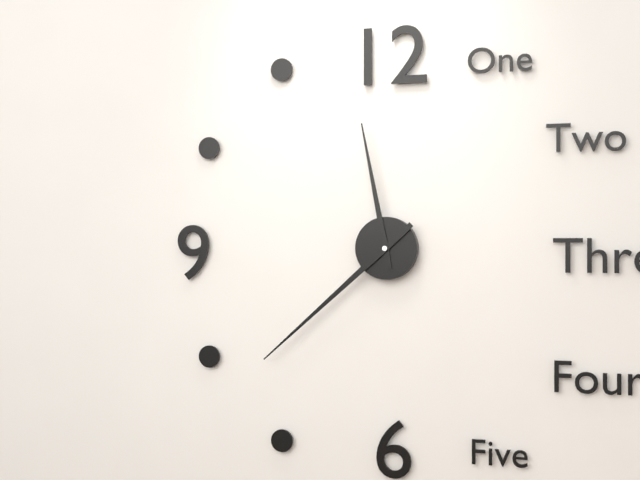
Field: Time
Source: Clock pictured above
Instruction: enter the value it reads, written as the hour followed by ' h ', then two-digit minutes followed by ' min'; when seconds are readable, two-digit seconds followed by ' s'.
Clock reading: 11 h 38 min
